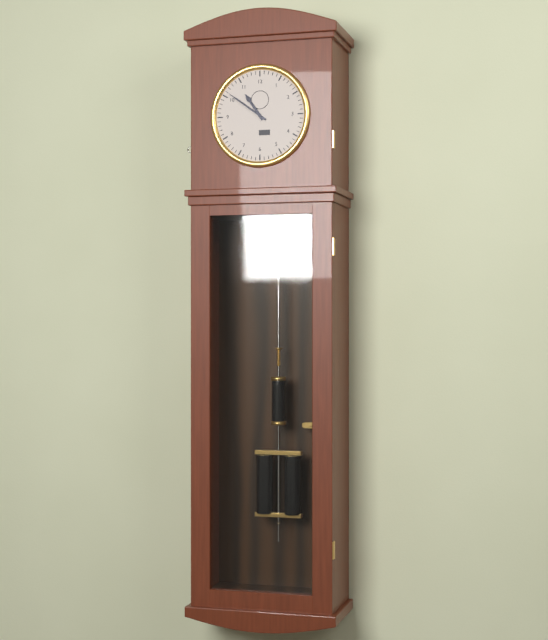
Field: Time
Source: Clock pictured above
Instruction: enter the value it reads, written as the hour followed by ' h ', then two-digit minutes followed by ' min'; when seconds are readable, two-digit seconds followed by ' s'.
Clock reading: 10 h 51 min
